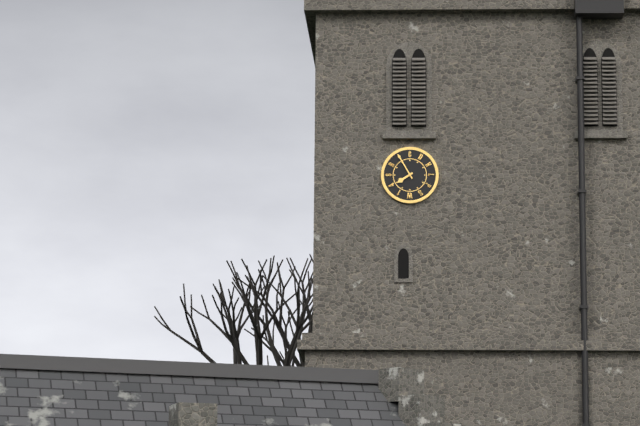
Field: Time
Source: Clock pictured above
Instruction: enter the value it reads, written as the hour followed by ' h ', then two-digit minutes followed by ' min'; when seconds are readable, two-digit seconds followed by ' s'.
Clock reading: 7 h 55 min
